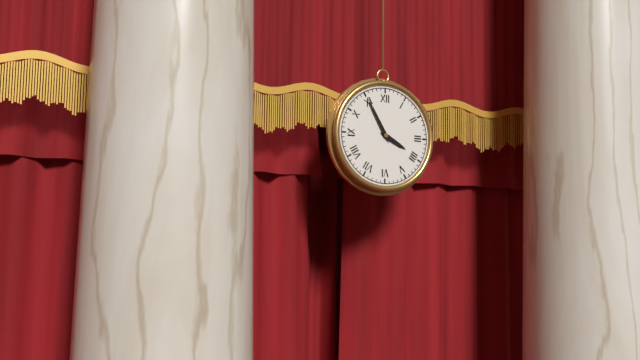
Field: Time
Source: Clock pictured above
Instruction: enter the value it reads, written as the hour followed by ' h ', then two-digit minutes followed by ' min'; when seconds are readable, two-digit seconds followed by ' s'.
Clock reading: 3 h 55 min
